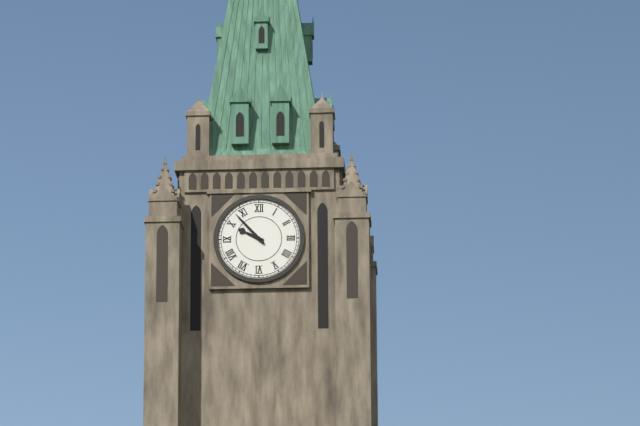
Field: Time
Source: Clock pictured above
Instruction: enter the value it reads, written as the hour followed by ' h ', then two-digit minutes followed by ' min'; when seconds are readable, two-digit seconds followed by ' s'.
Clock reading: 9 h 53 min
